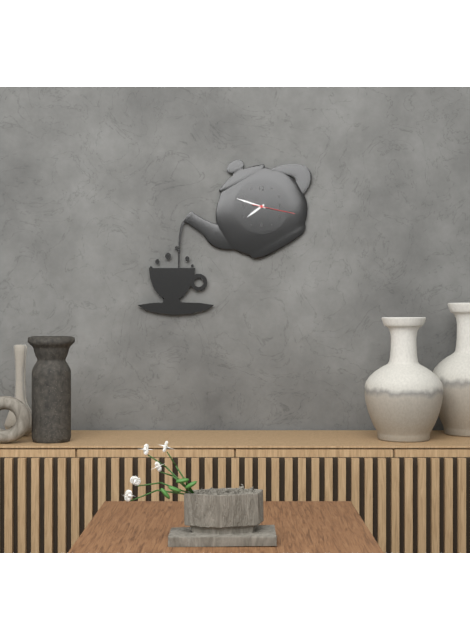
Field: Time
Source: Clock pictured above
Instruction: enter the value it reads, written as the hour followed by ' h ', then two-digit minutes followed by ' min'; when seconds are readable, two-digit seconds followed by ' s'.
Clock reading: 7 h 48 min
